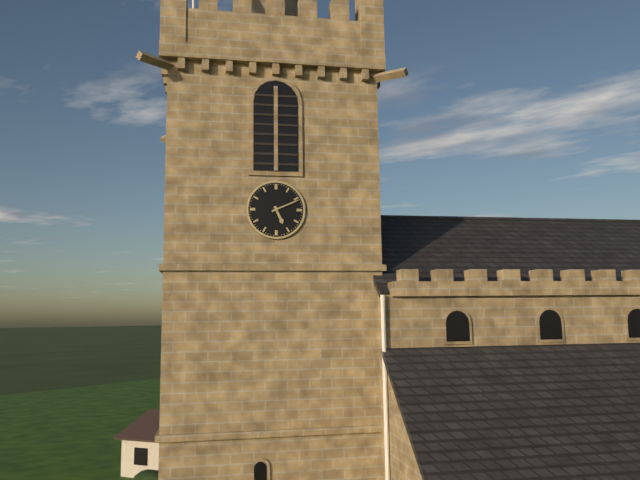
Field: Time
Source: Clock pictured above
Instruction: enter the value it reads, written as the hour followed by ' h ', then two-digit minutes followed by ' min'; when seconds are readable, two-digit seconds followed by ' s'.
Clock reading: 5 h 11 min
